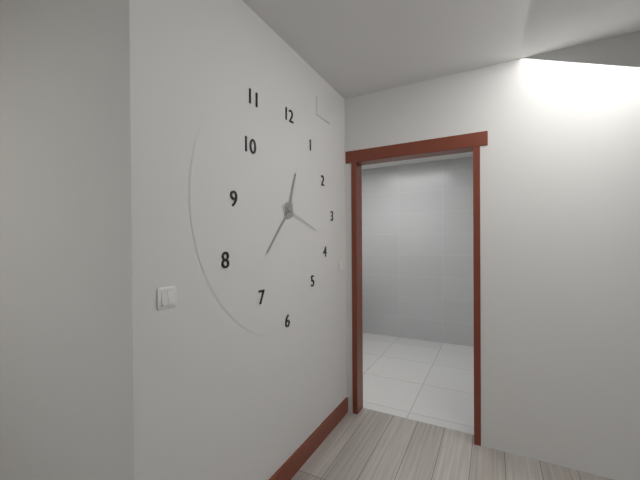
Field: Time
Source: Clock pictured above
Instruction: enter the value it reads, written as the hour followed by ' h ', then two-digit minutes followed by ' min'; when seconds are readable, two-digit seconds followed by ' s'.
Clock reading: 12 h 37 min
